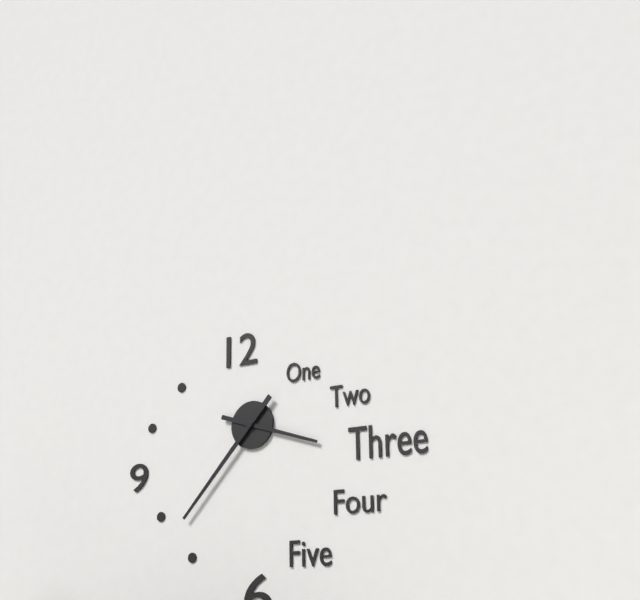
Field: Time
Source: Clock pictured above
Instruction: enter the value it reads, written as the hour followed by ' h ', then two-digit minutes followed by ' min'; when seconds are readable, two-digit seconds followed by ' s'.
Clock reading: 3 h 37 min
